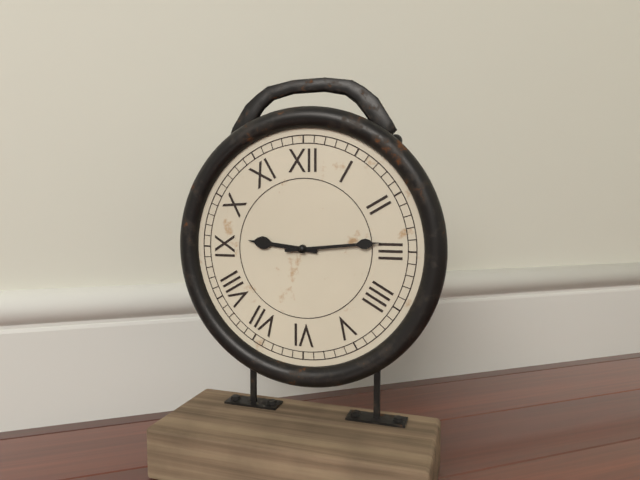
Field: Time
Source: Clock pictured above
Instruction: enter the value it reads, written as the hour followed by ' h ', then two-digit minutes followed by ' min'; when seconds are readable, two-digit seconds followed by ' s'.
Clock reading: 9 h 14 min
